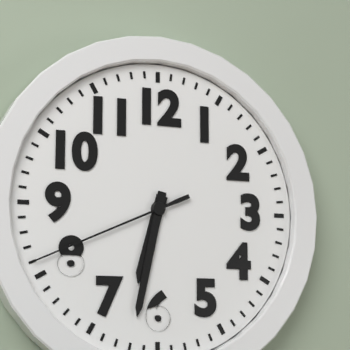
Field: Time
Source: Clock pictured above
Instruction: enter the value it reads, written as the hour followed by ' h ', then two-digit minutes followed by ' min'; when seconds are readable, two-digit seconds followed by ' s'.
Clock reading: 6 h 32 min 41 s
